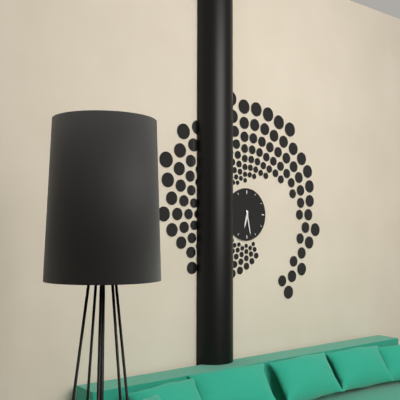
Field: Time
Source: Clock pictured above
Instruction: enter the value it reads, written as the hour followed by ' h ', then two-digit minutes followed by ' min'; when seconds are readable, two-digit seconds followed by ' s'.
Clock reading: 6 h 28 min
